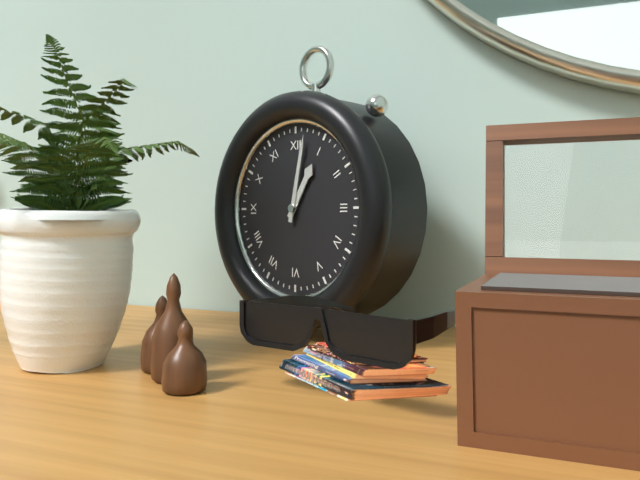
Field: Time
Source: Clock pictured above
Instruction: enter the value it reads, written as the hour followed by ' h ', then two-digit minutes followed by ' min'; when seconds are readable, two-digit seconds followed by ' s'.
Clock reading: 1 h 02 min
